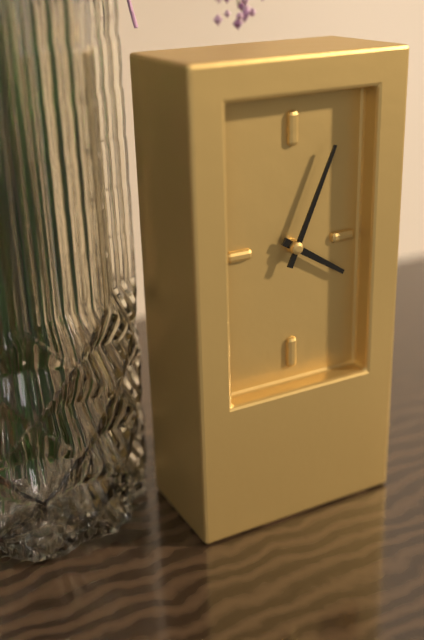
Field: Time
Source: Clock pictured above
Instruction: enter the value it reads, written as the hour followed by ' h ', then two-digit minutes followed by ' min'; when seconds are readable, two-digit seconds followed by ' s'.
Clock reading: 4 h 04 min
